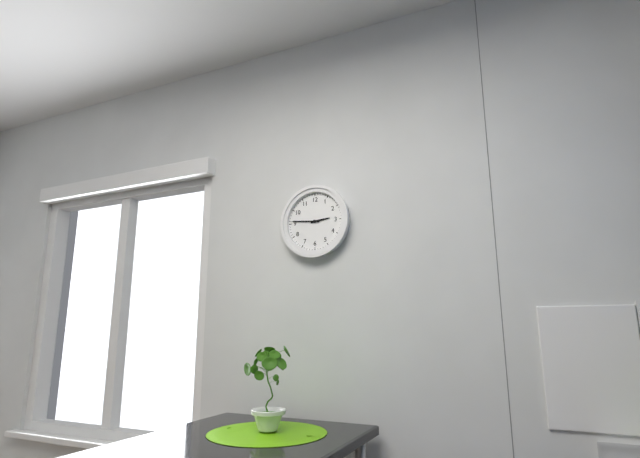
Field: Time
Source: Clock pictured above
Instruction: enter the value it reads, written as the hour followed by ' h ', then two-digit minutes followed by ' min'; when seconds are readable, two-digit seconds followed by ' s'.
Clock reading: 2 h 46 min
